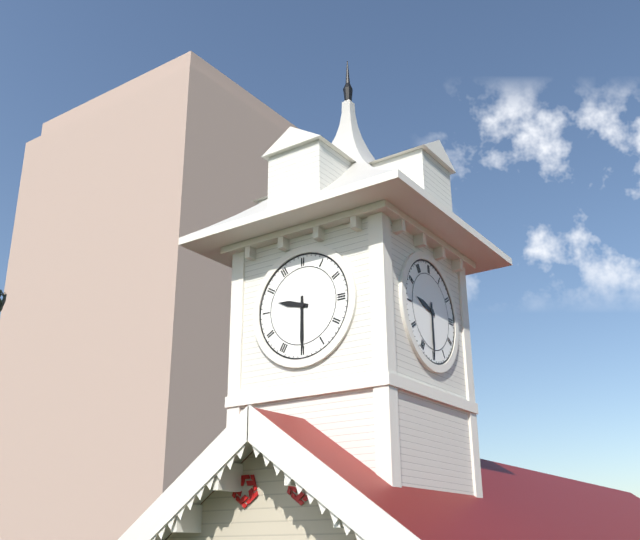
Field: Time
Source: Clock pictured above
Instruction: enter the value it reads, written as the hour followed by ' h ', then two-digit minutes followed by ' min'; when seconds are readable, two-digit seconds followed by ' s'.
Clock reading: 9 h 30 min
